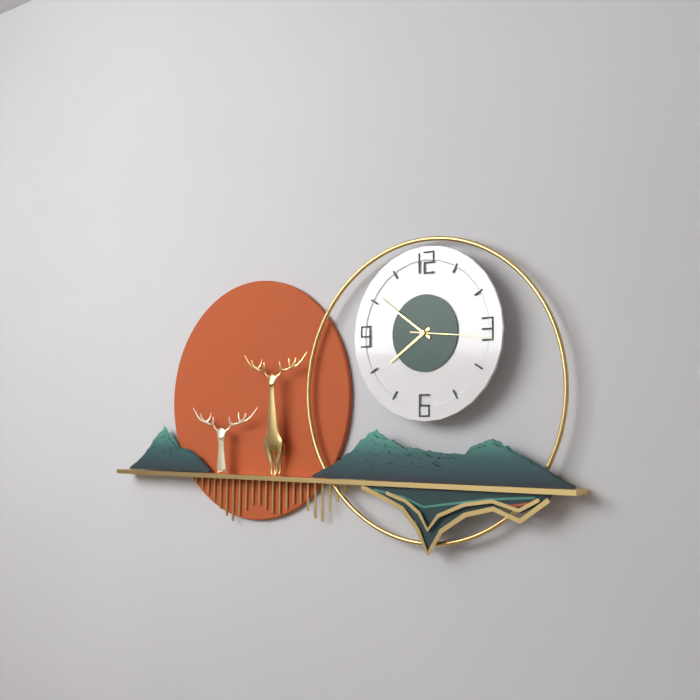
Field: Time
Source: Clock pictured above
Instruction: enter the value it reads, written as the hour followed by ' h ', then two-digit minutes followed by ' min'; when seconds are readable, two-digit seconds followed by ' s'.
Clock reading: 7 h 51 min 16 s
